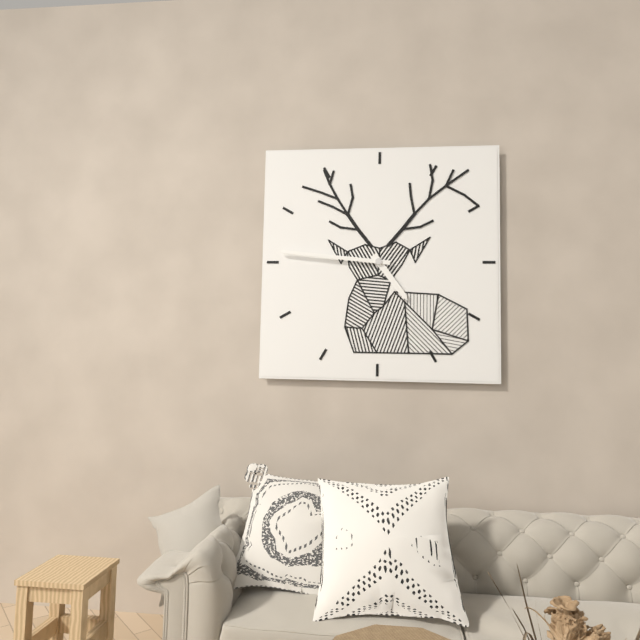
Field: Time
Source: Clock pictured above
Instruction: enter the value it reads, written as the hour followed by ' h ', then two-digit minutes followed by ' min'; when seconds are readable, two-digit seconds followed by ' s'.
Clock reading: 4 h 46 min
